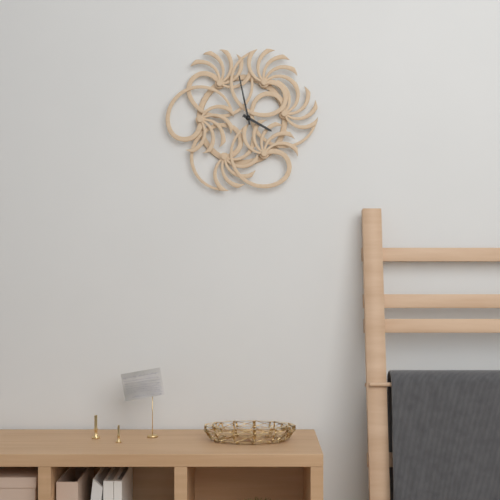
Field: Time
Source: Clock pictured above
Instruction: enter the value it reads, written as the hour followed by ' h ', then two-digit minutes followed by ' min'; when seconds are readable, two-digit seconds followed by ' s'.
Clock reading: 3 h 58 min
